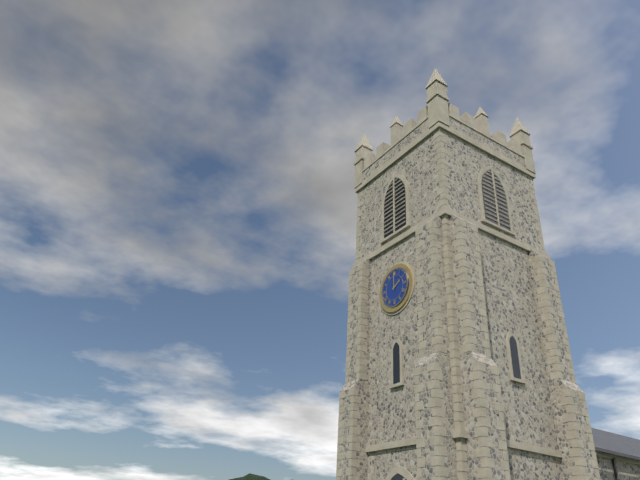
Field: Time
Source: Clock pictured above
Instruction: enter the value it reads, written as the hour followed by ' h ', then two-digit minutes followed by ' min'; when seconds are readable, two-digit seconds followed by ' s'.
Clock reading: 2 h 00 min
